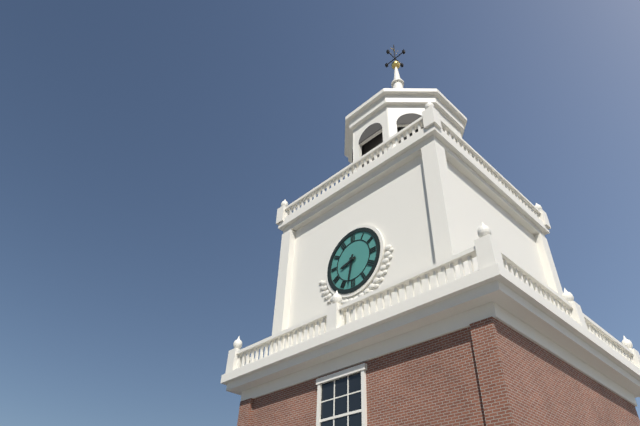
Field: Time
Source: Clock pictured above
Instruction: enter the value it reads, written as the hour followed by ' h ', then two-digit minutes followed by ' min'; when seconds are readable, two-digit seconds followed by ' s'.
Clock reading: 8 h 32 min
